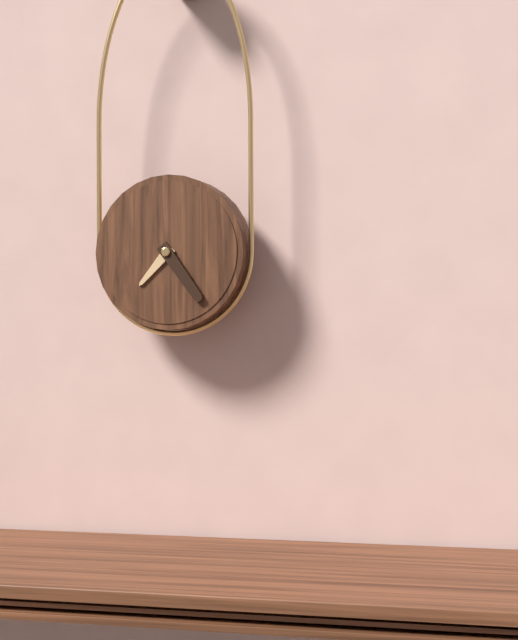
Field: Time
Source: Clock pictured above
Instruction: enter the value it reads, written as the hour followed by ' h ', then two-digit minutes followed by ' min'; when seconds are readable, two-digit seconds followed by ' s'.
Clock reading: 7 h 24 min
